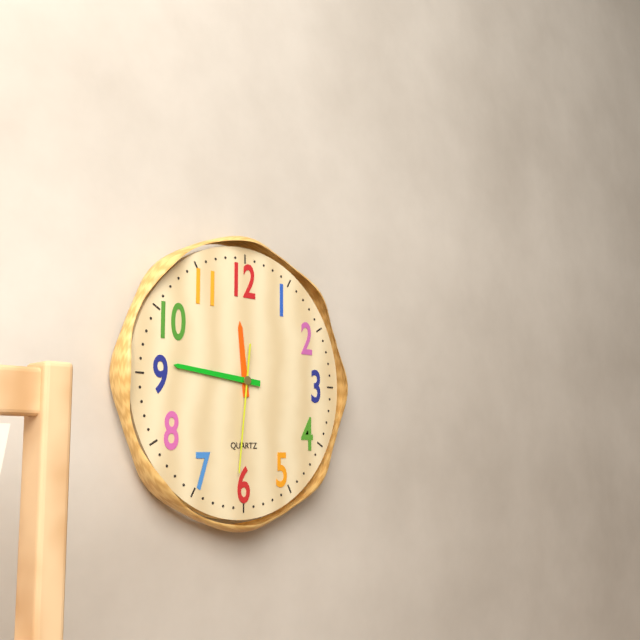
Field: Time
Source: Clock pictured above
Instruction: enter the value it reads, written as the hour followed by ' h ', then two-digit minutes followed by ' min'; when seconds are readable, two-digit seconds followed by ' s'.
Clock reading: 11 h 46 min 31 s
